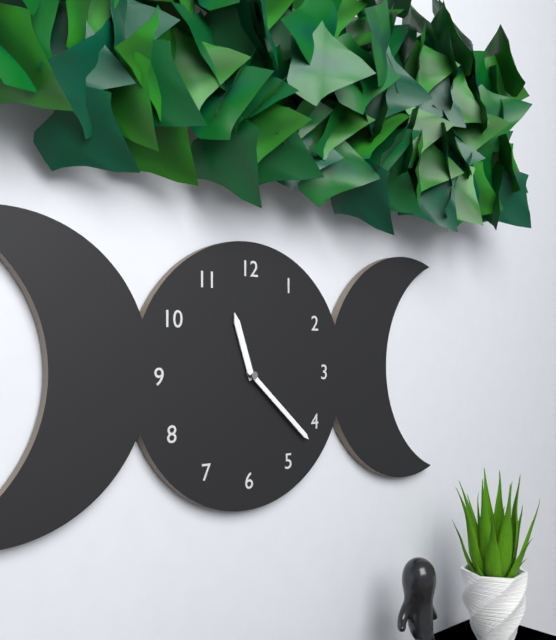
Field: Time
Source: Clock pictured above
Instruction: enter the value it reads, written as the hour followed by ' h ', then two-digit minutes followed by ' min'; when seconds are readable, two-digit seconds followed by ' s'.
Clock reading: 11 h 22 min
